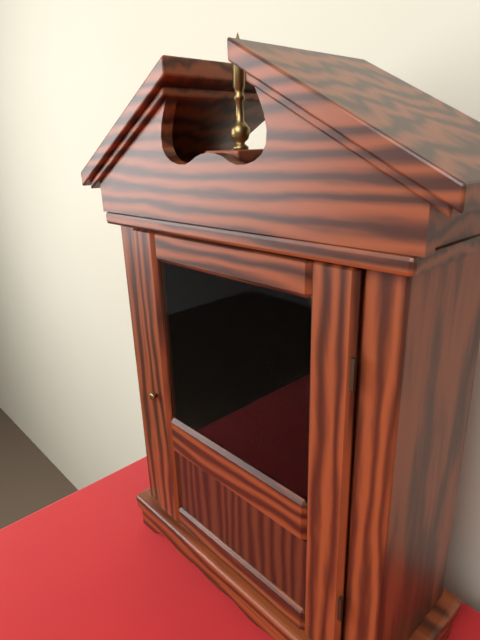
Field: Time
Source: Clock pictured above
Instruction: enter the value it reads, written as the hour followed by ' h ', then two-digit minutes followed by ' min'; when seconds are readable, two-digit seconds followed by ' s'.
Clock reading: 12 h 40 min
